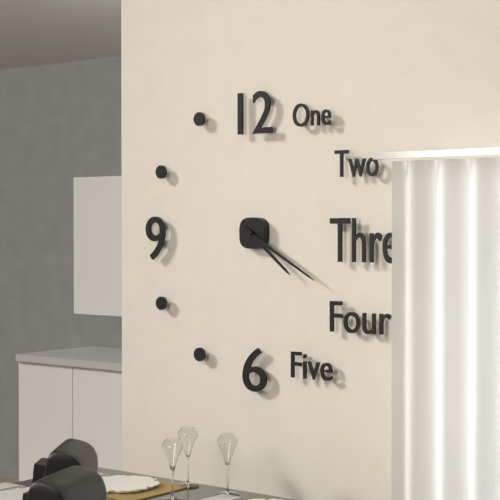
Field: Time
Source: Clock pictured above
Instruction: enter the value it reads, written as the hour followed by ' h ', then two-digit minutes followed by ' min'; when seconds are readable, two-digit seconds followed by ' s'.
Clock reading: 4 h 20 min
